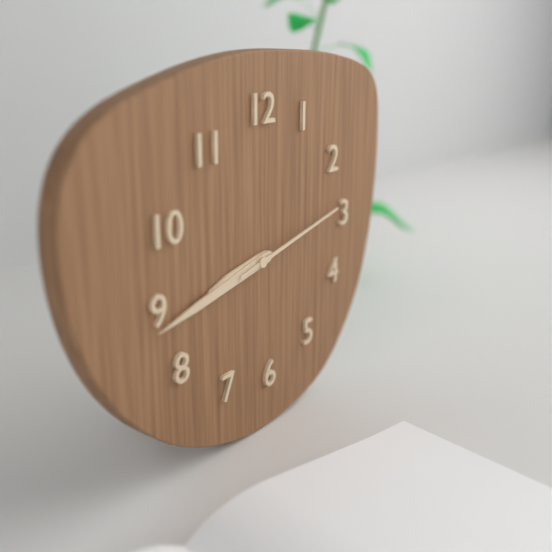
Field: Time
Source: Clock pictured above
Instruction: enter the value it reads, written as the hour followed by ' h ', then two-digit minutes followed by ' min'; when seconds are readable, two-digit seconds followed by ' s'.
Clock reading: 8 h 43 min 13 s
